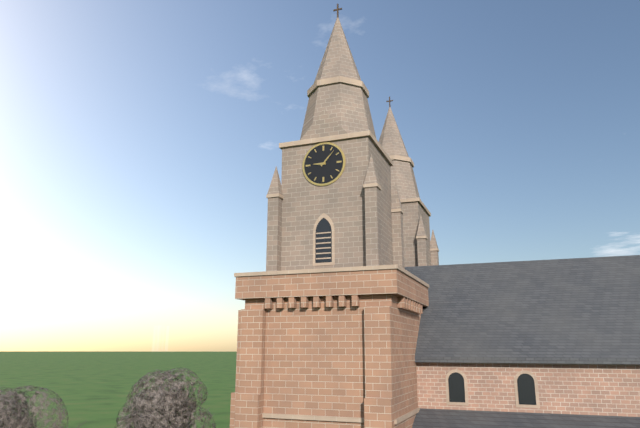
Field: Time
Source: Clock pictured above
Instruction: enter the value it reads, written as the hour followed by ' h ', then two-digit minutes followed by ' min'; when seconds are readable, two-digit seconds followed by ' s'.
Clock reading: 9 h 07 min
